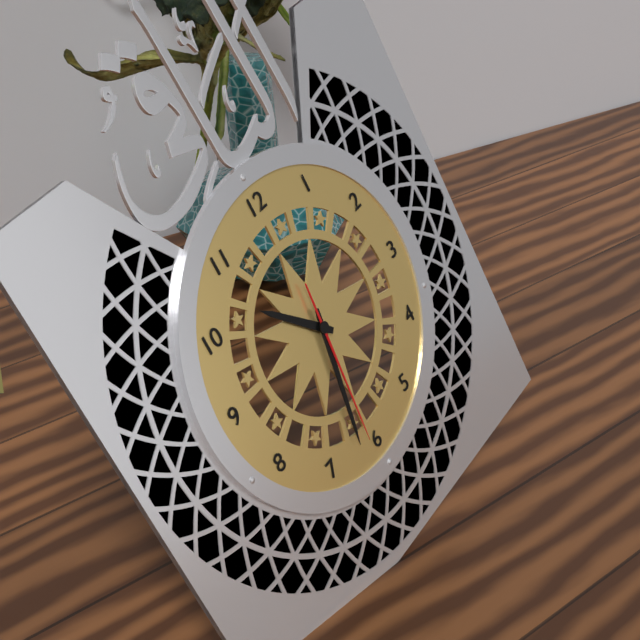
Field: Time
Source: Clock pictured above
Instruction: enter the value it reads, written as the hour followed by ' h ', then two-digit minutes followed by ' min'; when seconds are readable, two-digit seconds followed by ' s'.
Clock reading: 10 h 32 min 31 s
